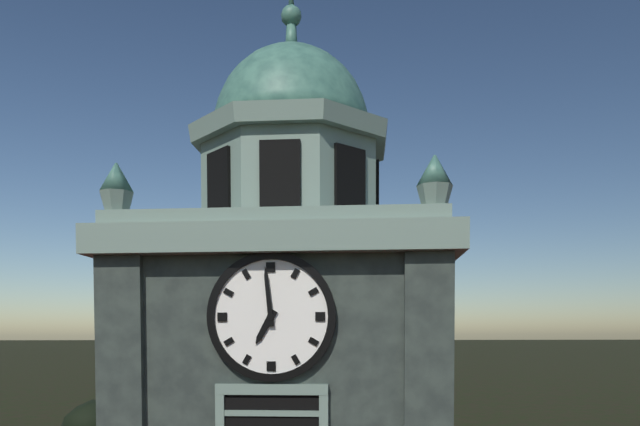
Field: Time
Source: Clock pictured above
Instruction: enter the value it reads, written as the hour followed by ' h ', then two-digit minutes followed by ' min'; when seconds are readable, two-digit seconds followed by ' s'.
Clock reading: 6 h 59 min
